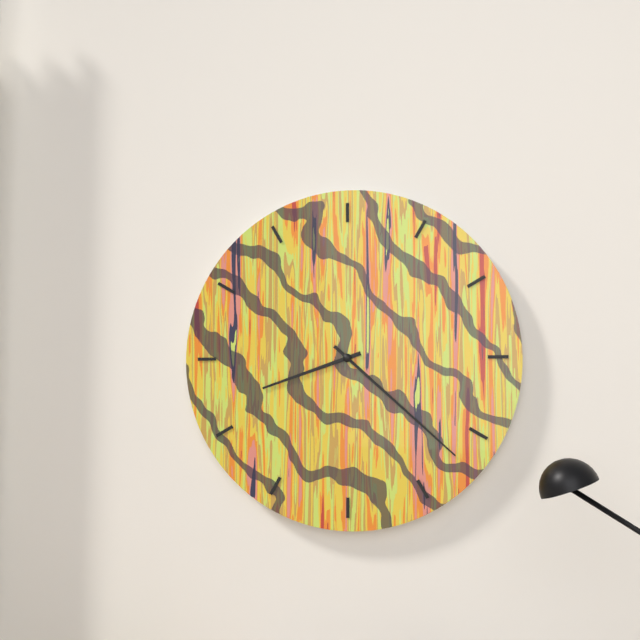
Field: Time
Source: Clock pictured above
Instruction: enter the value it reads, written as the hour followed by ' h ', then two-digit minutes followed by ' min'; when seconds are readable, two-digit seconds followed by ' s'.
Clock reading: 8 h 22 min
